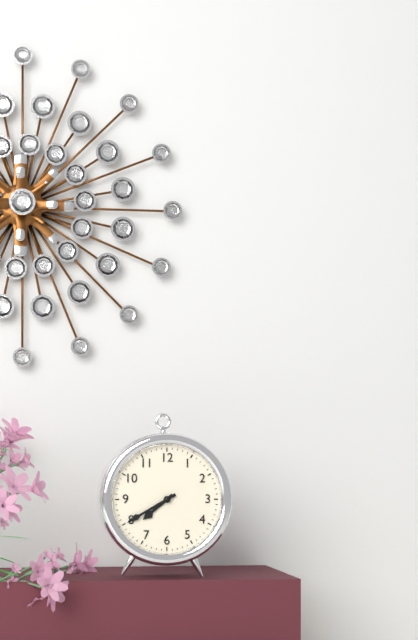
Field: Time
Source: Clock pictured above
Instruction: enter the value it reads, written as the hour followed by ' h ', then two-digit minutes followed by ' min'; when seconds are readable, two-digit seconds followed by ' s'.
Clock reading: 7 h 40 min
